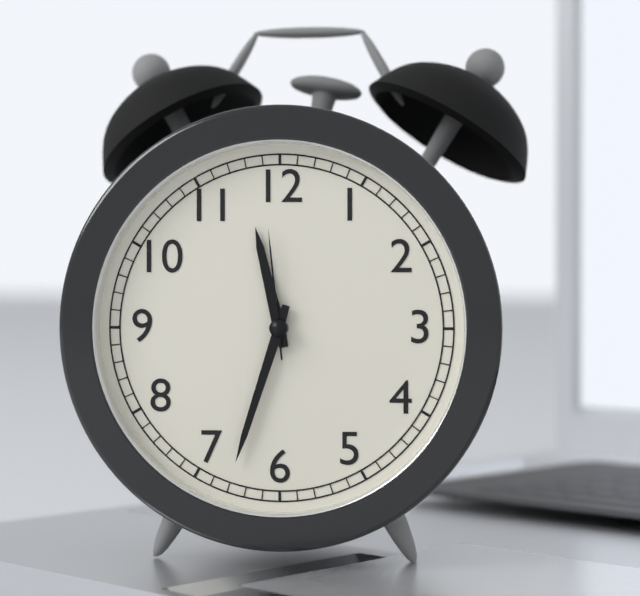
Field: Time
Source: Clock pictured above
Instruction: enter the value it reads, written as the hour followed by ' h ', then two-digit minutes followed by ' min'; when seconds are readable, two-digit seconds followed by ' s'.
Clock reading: 11 h 33 min 59 s
